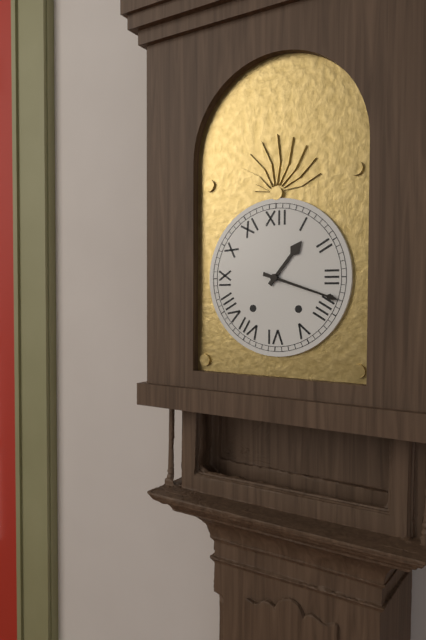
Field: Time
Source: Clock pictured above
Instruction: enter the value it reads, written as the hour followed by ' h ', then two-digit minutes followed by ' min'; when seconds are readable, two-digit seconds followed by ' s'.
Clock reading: 1 h 18 min
